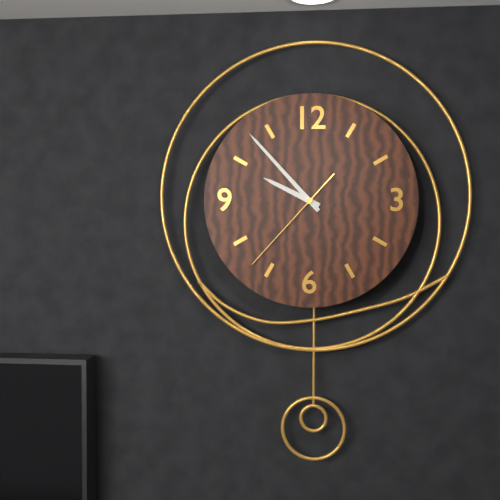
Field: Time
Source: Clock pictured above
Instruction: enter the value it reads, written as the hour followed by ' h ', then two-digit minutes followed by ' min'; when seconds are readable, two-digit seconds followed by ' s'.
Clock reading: 9 h 53 min 37 s
